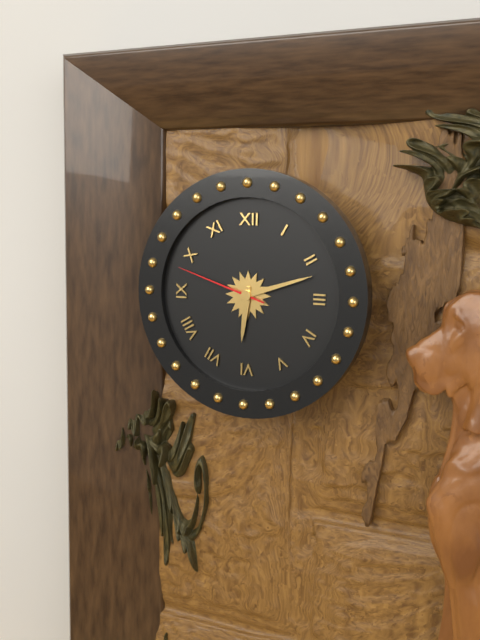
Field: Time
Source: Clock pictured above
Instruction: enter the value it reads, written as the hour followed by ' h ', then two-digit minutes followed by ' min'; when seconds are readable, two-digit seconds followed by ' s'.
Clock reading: 6 h 12 min 48 s
